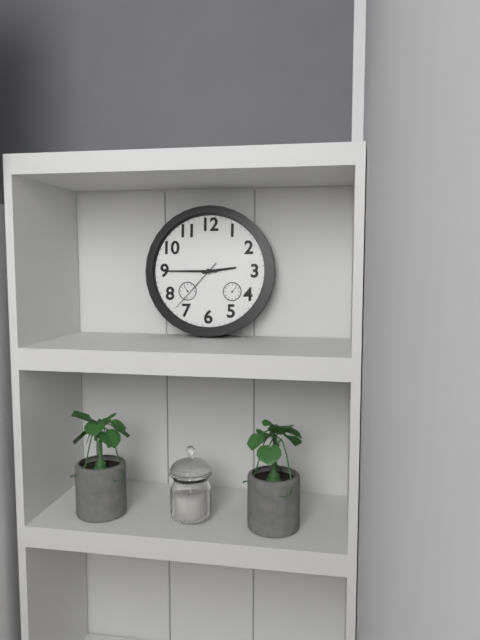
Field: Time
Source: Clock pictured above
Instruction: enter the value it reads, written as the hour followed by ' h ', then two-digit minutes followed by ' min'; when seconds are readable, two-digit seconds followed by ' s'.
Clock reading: 2 h 45 min 37 s
